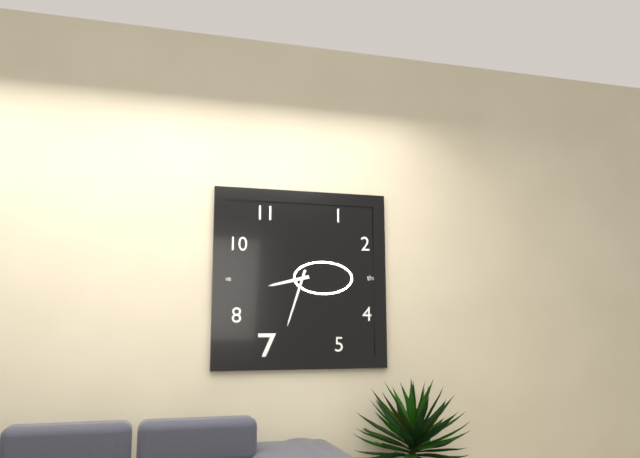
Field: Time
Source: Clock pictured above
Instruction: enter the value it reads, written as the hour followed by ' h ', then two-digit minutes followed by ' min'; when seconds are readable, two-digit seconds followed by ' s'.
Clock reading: 8 h 33 min
